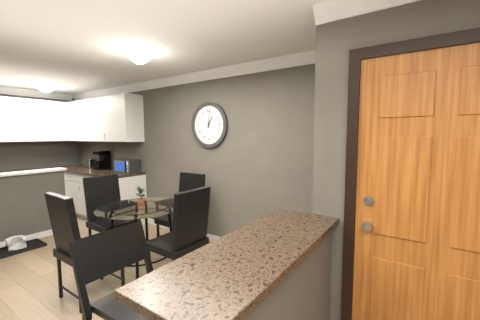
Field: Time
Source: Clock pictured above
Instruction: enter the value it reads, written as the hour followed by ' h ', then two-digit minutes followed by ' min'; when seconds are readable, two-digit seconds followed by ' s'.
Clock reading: 1 h 01 min
